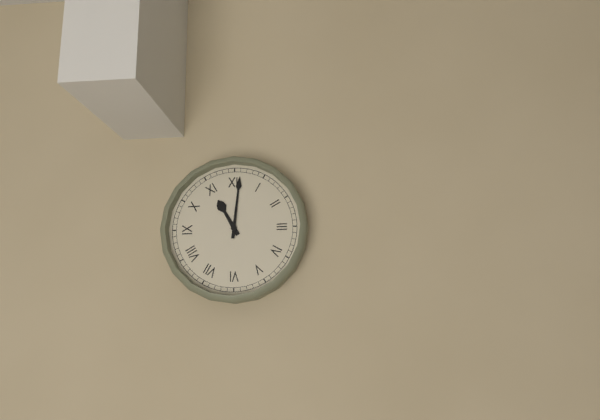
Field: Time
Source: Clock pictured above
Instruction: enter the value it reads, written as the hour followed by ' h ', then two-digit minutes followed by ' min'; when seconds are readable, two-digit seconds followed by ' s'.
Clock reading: 11 h 01 min
